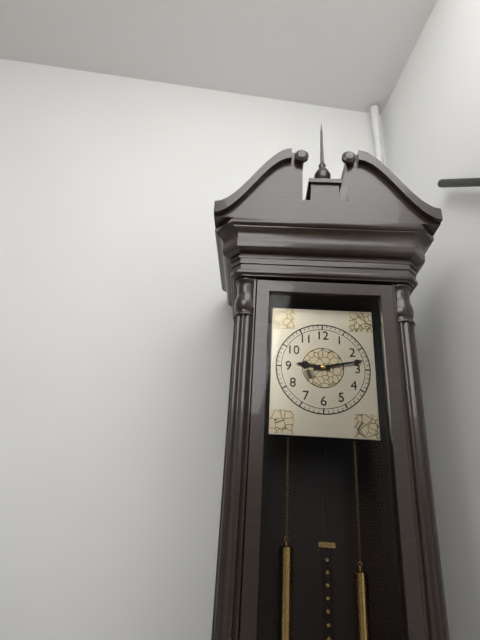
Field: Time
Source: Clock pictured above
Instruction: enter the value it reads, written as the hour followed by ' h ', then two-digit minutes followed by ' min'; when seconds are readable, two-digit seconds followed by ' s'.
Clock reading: 9 h 13 min
